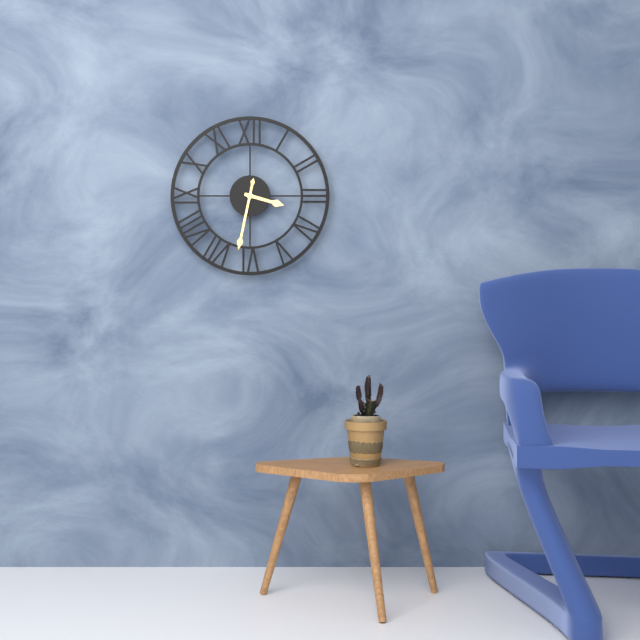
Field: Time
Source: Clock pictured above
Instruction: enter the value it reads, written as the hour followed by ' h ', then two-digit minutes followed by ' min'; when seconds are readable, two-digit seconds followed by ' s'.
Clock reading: 3 h 32 min
